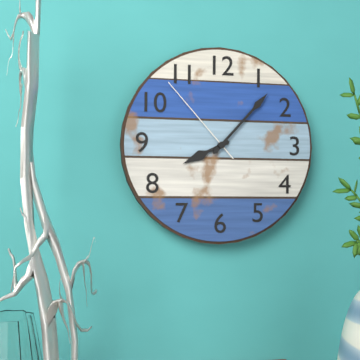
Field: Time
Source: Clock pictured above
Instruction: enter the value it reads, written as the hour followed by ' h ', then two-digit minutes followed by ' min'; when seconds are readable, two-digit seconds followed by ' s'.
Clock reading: 8 h 07 min 53 s
